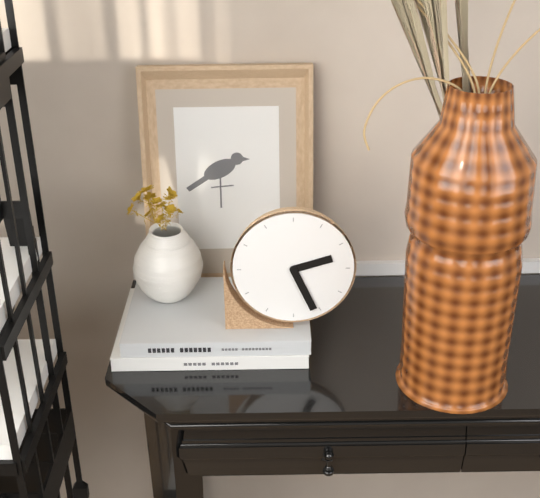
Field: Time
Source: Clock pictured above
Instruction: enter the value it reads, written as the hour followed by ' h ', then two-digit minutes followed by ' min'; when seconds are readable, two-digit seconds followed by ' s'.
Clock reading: 2 h 26 min
